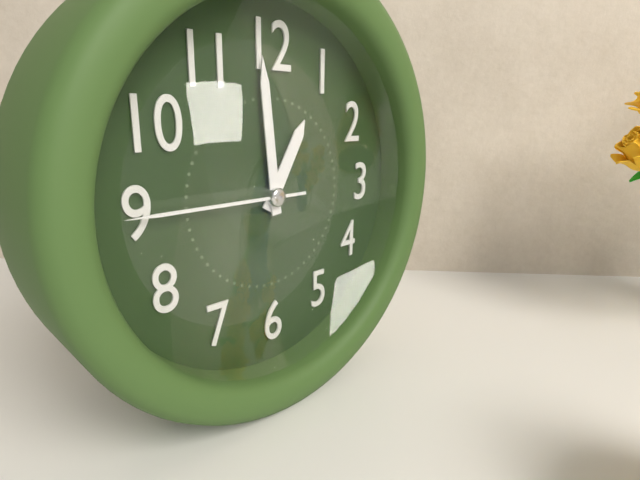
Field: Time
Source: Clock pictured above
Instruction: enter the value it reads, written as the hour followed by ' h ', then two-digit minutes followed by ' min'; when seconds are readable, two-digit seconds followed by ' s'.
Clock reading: 12 h 59 min 45 s
